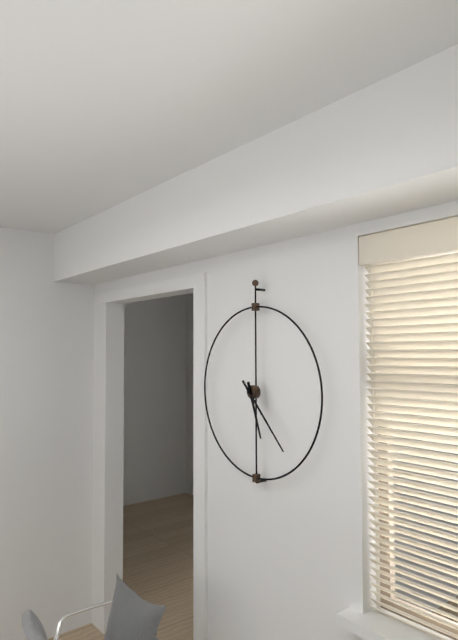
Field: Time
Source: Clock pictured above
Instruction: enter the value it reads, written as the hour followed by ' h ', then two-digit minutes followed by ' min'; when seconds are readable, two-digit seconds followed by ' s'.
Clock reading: 5 h 23 min
